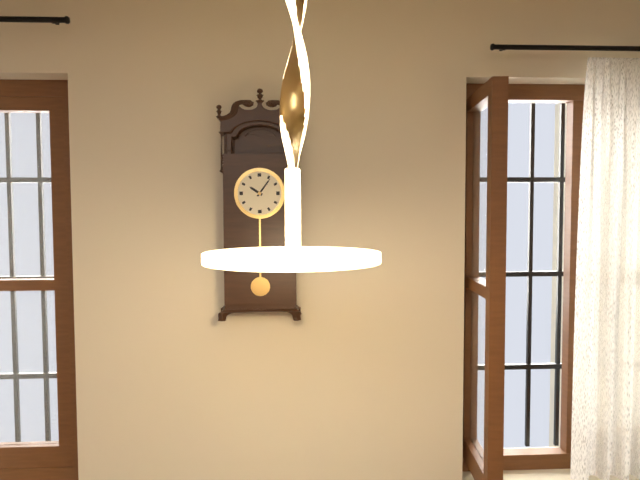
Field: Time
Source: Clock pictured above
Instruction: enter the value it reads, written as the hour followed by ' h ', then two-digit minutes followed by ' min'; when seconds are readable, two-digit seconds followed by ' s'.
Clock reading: 10 h 06 min
